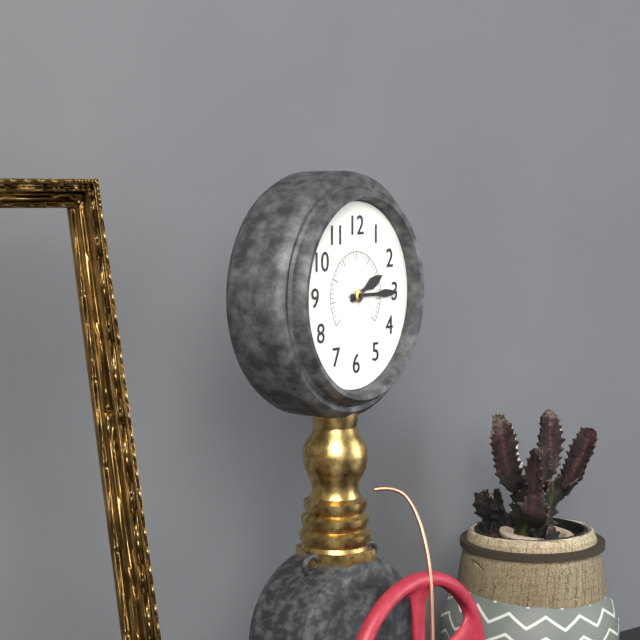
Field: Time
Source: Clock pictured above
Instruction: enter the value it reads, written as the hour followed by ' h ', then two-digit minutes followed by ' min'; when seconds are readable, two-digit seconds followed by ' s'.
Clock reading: 2 h 15 min
